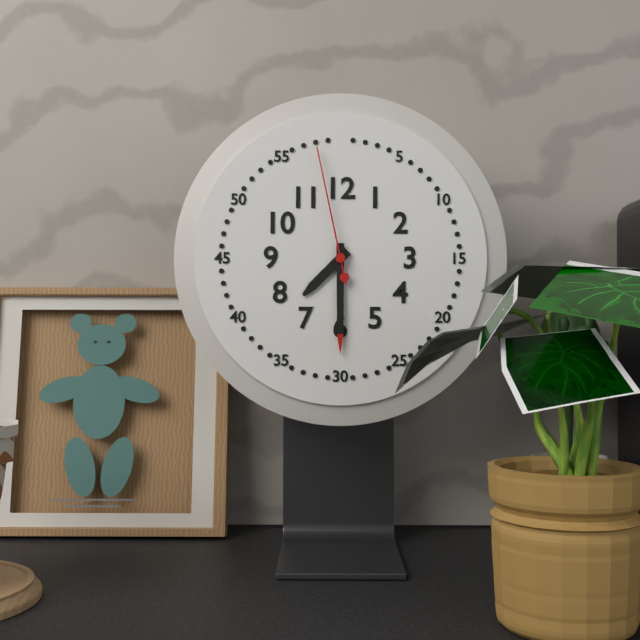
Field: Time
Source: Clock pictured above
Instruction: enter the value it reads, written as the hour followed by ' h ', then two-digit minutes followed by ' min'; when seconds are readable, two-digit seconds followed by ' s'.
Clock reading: 7 h 30 min 58 s
